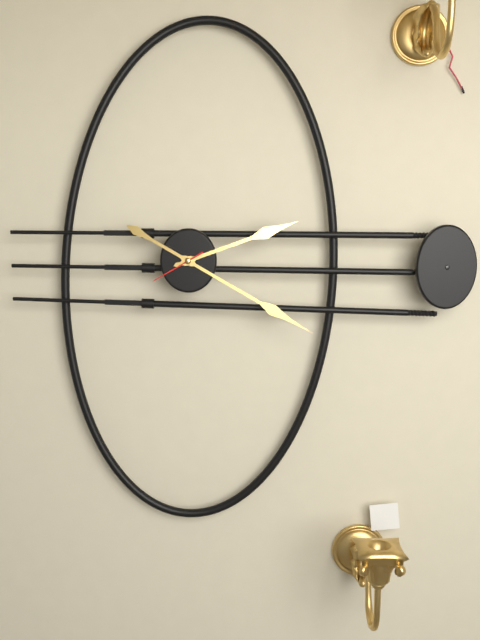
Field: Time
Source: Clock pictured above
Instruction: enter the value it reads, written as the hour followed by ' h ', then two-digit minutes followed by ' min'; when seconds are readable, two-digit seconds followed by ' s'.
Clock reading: 2 h 20 min 40 s
